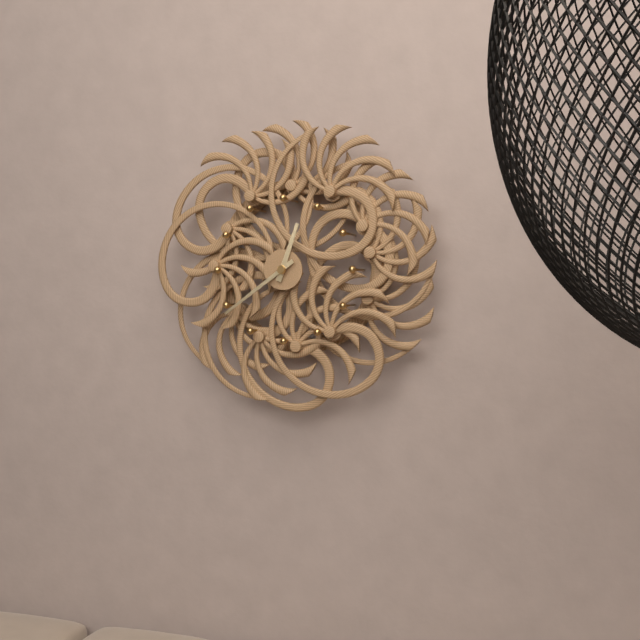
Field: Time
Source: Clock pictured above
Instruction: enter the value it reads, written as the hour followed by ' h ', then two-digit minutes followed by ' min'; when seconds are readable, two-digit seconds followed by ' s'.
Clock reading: 12 h 39 min
